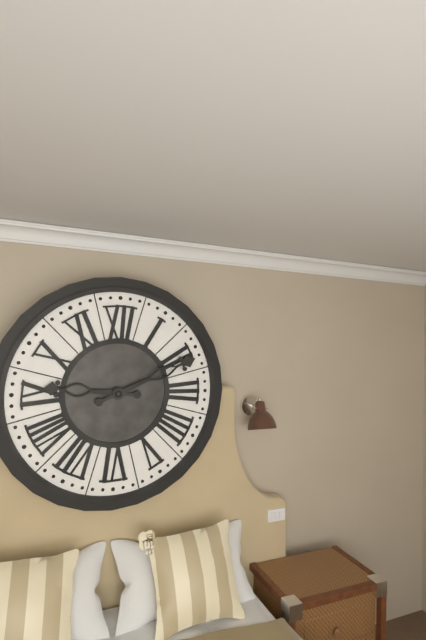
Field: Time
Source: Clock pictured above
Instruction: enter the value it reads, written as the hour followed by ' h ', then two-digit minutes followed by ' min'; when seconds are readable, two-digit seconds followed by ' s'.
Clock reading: 9 h 11 min
